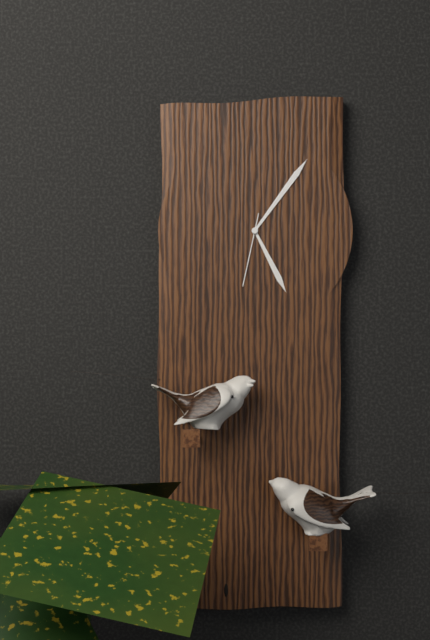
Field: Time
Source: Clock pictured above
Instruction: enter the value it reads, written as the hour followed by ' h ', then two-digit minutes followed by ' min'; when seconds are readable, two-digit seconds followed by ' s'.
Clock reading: 5 h 06 min 32 s
